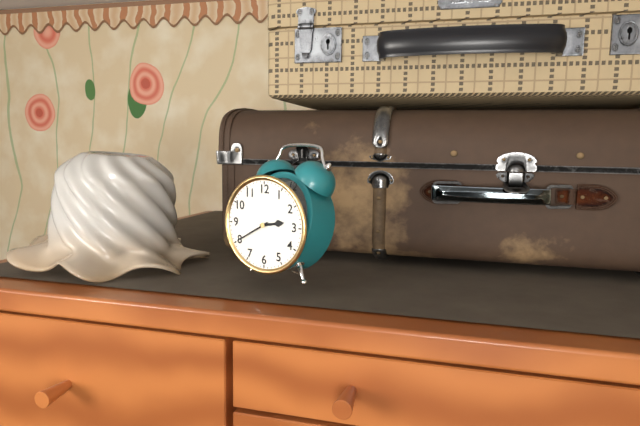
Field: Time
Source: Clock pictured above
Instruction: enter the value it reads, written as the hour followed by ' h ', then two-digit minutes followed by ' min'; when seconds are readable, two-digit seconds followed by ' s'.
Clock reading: 2 h 40 min
